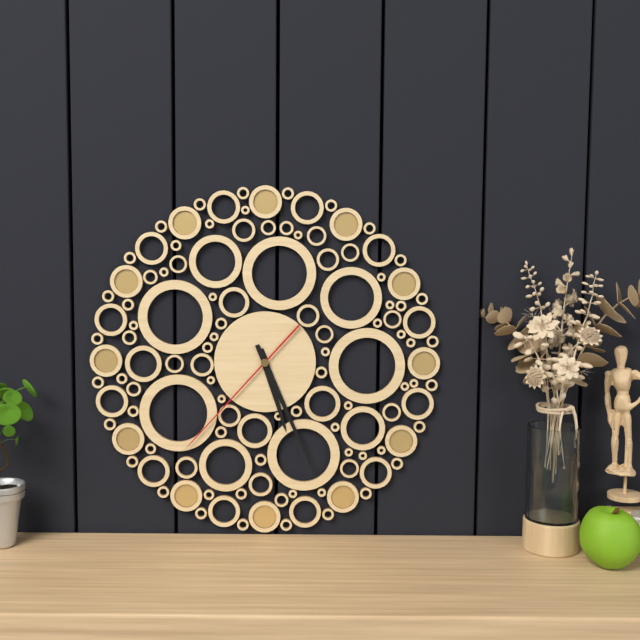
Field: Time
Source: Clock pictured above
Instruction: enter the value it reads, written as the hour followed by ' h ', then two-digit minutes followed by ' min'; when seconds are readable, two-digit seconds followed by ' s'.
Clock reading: 5 h 26 min 37 s
